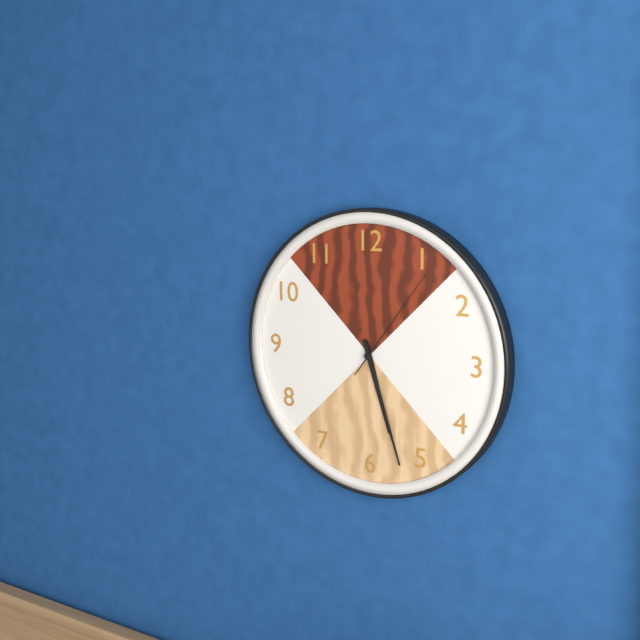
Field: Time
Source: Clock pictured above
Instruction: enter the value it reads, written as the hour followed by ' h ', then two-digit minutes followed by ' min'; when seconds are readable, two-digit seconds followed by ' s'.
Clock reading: 5 h 27 min 06 s
